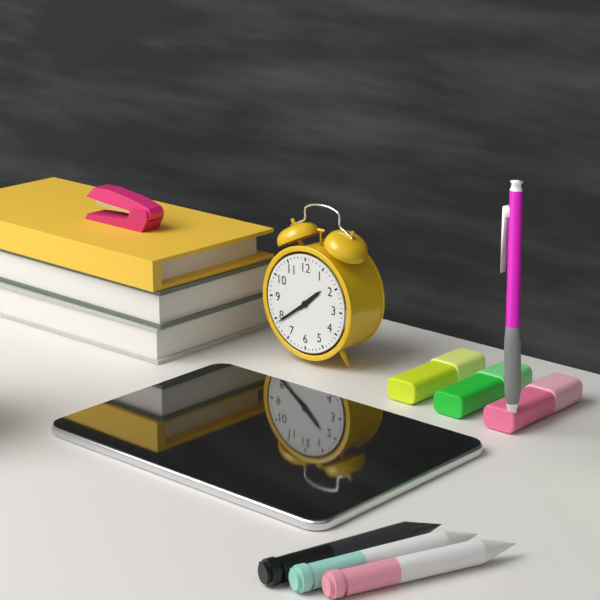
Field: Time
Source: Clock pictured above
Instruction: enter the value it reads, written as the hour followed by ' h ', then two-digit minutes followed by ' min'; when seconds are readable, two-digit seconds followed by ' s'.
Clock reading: 1 h 39 min
